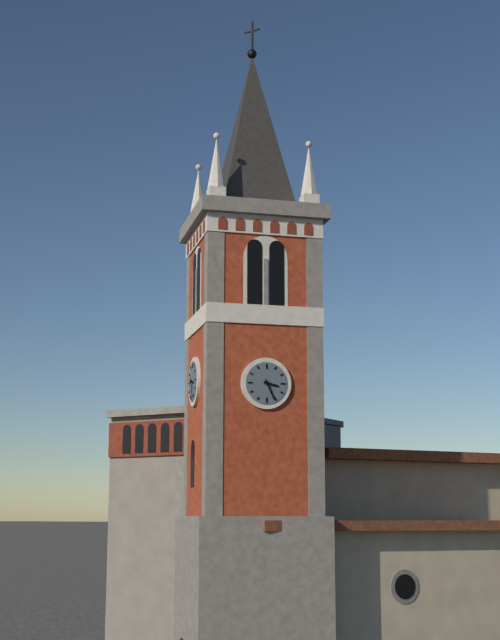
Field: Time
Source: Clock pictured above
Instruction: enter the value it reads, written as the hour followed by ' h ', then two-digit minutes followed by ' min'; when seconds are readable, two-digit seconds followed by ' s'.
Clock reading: 3 h 26 min
